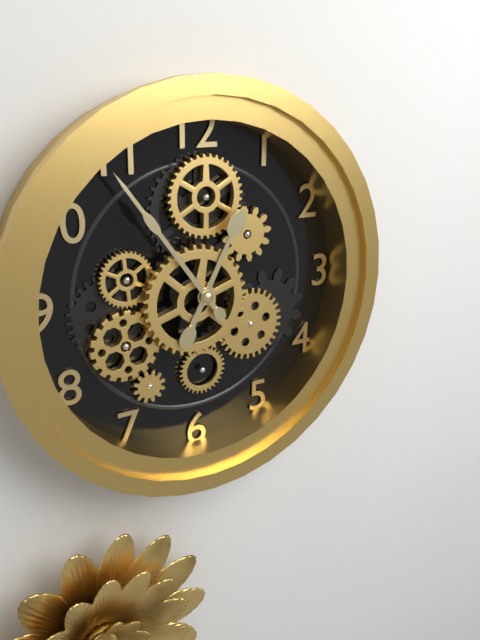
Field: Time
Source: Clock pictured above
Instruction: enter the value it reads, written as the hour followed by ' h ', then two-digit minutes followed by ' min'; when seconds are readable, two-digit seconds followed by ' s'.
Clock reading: 12 h 54 min
